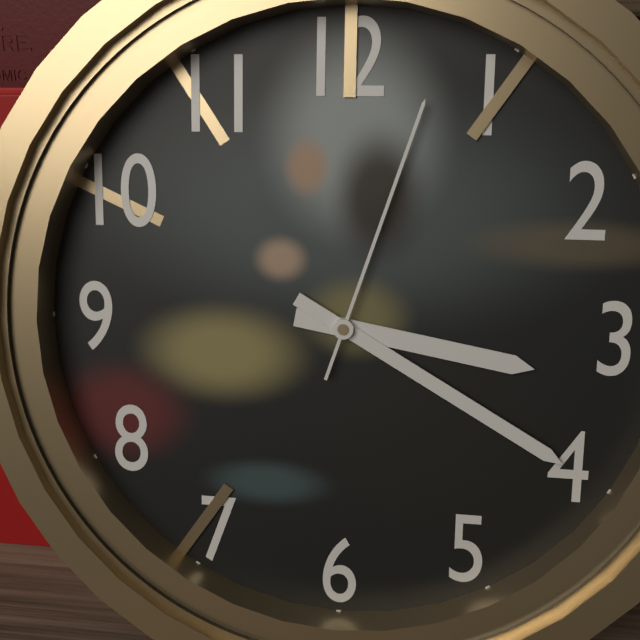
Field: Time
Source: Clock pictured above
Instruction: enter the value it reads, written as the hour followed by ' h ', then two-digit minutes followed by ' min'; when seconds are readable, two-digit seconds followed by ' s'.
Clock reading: 3 h 20 min 03 s
